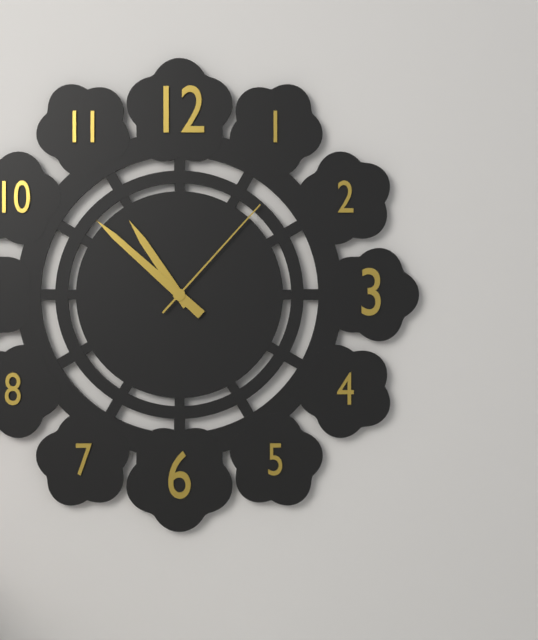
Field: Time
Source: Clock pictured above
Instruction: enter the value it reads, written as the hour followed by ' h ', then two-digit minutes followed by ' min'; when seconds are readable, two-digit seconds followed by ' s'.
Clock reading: 10 h 52 min 07 s
